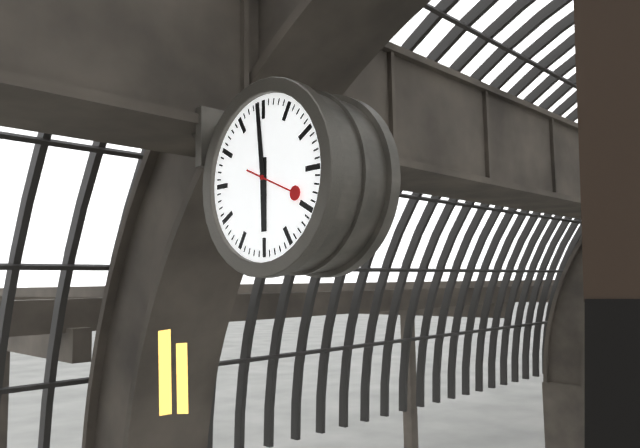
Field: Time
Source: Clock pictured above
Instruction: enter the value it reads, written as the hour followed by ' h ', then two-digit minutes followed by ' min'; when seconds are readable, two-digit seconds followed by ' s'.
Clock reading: 5 h 59 min 19 s
